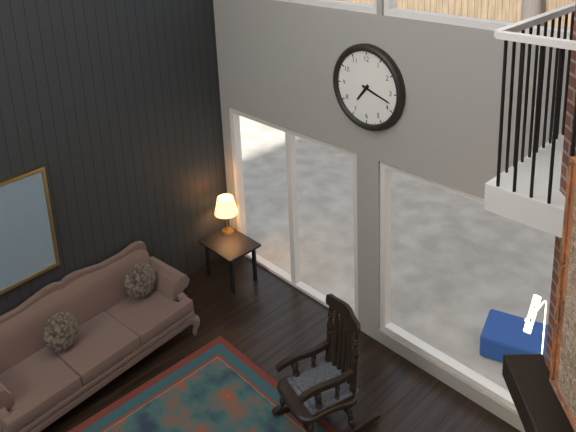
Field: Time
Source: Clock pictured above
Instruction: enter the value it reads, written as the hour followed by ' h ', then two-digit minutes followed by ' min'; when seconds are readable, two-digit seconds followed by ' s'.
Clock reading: 7 h 18 min
